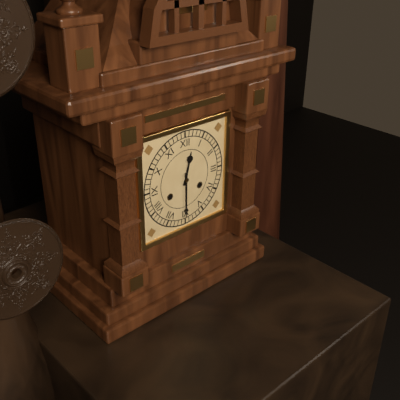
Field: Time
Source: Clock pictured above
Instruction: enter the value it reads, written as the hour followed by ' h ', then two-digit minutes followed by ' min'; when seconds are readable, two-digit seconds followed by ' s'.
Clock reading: 12 h 30 min
